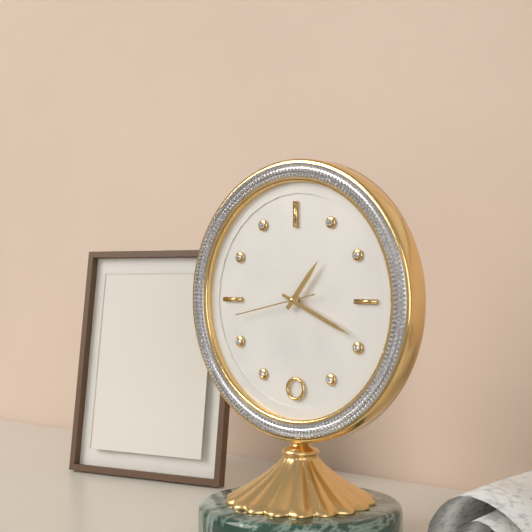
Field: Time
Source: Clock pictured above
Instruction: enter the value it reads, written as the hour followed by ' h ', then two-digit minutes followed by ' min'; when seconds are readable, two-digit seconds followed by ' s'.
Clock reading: 1 h 19 min 43 s
